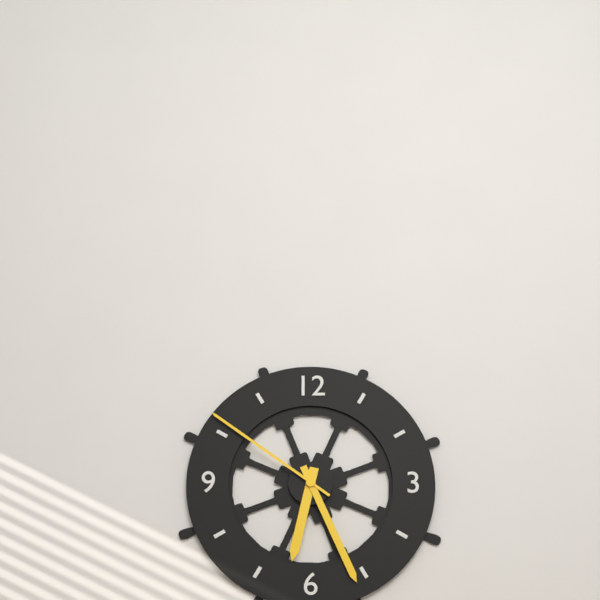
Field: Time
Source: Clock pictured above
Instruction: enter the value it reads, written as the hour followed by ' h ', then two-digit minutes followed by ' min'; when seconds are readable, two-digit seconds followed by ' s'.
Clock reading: 6 h 26 min 51 s
